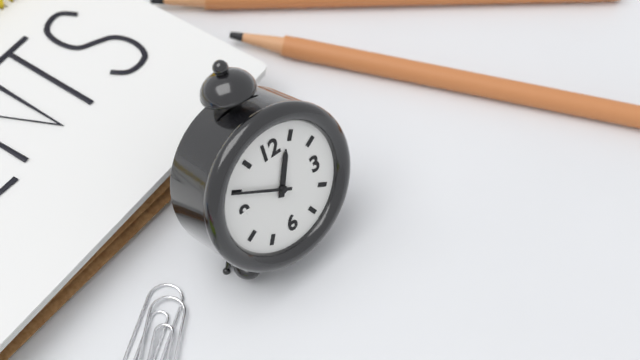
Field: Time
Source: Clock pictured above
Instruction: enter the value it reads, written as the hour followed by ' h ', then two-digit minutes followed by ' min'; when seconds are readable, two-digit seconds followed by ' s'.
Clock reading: 12 h 50 min
